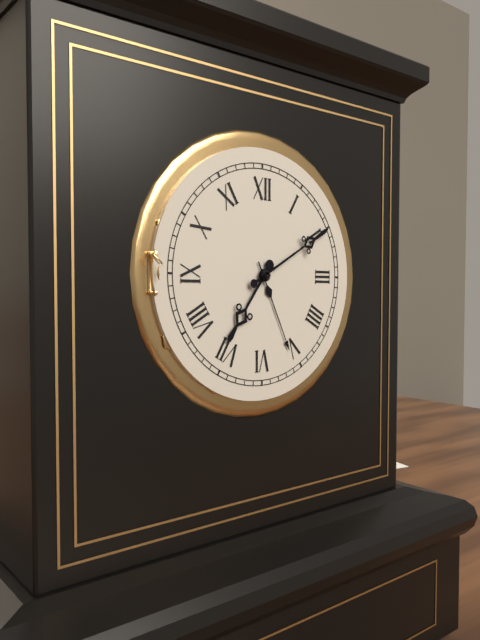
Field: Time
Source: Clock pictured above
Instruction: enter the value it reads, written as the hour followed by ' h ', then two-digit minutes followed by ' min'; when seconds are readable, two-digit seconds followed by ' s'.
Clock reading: 7 h 10 min
